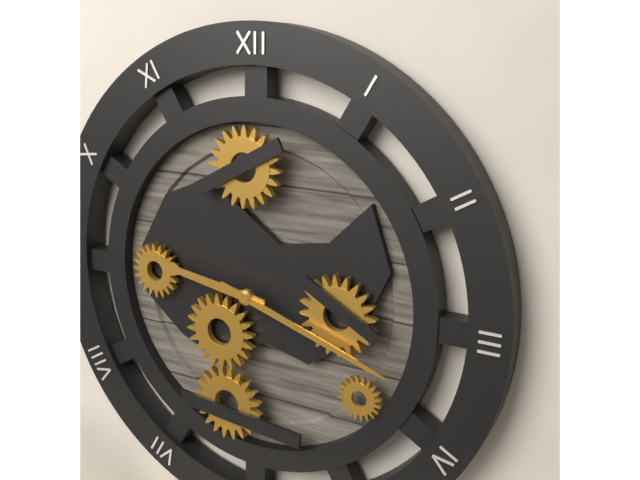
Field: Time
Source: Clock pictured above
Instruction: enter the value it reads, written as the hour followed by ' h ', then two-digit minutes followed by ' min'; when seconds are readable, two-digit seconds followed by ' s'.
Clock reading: 9 h 18 min
